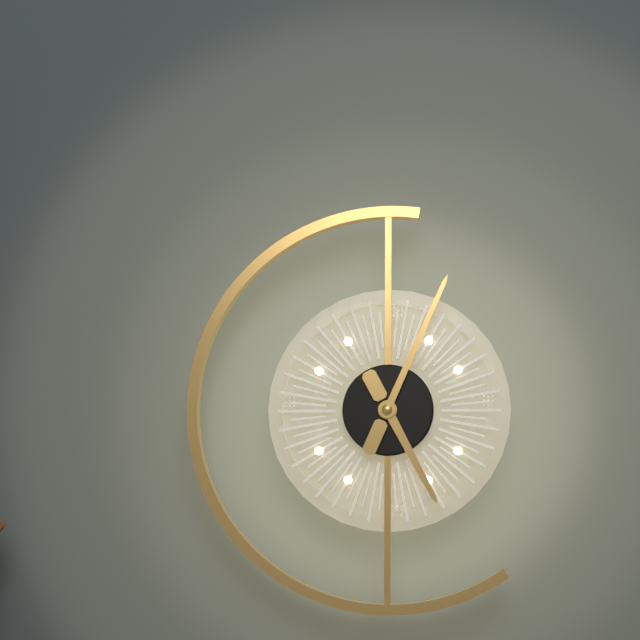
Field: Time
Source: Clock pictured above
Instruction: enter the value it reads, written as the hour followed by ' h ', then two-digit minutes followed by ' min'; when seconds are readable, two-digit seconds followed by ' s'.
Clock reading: 5 h 04 min
